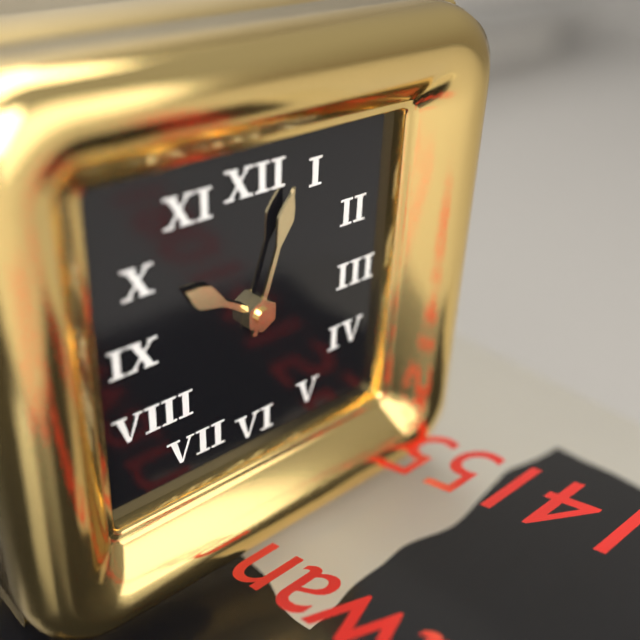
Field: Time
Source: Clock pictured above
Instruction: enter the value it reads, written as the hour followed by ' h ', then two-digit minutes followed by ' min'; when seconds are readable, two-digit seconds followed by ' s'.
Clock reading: 10 h 03 min
